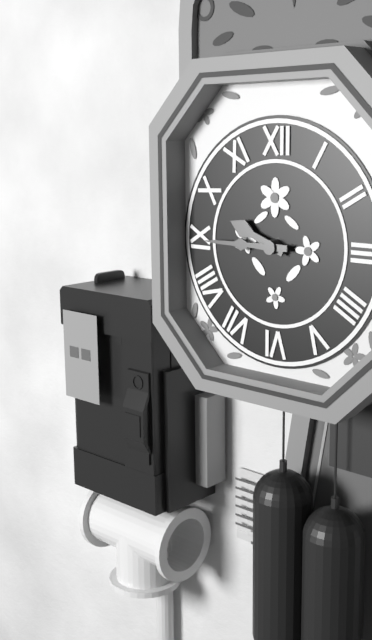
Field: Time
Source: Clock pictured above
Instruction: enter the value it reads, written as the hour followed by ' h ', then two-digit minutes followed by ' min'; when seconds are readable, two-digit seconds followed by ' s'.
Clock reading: 9 h 45 min
